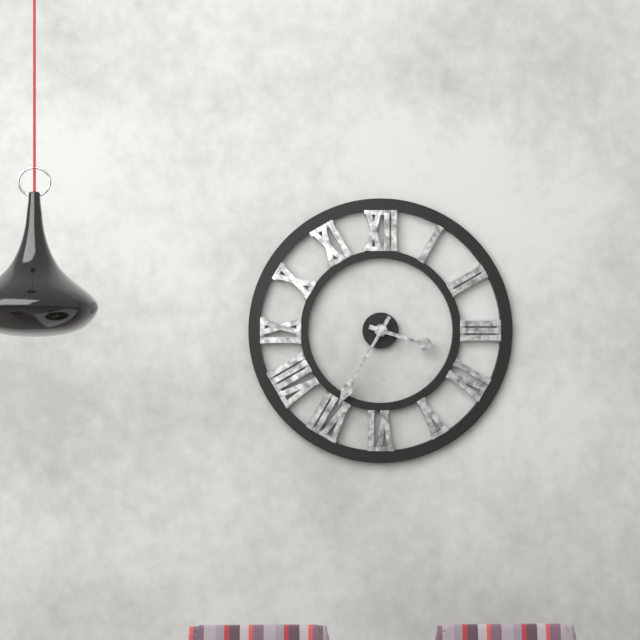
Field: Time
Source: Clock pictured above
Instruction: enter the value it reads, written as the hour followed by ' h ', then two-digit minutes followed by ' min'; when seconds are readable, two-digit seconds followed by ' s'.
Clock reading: 3 h 35 min
